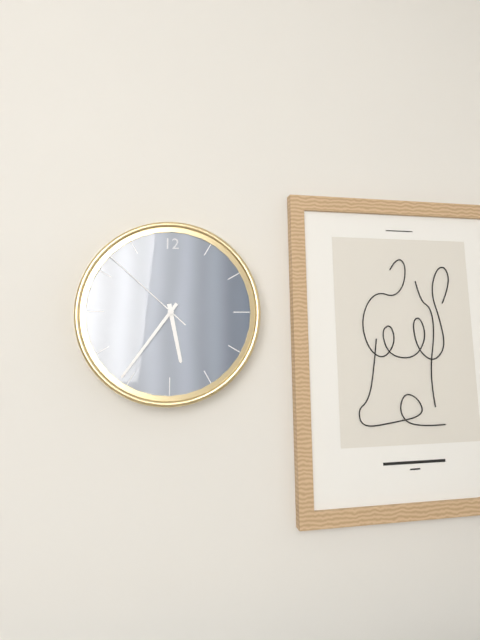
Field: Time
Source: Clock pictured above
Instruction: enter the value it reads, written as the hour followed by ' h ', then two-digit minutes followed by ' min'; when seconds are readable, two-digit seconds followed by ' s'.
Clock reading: 5 h 36 min 52 s
